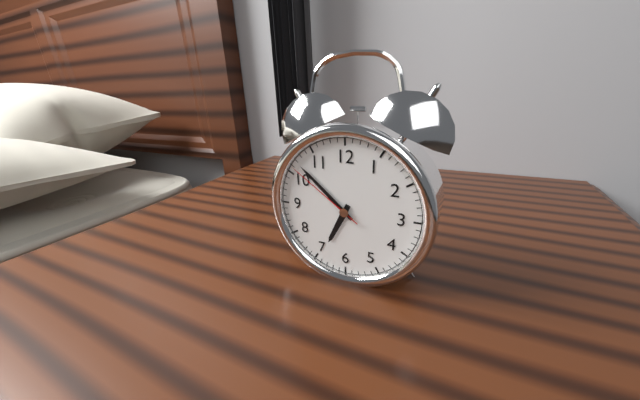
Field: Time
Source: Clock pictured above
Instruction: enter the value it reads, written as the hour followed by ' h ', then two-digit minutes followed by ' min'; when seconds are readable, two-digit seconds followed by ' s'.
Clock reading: 6 h 52 min 51 s
